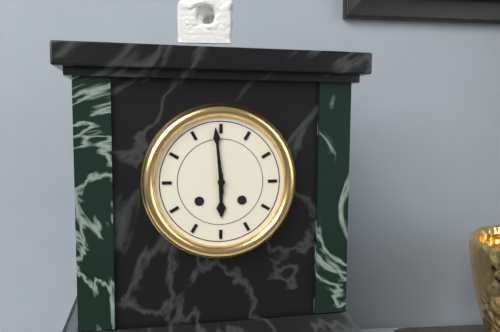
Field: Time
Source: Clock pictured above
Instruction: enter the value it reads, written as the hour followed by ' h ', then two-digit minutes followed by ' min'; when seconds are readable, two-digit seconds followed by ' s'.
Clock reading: 5 h 59 min
